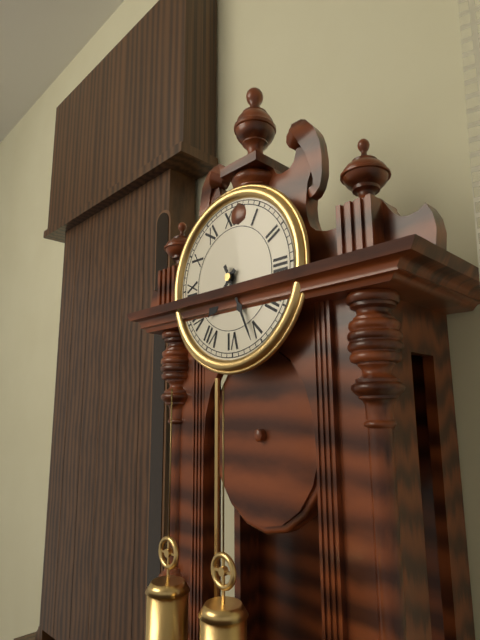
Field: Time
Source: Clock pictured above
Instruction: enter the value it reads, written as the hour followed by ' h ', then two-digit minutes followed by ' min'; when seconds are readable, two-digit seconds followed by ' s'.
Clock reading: 7 h 26 min
